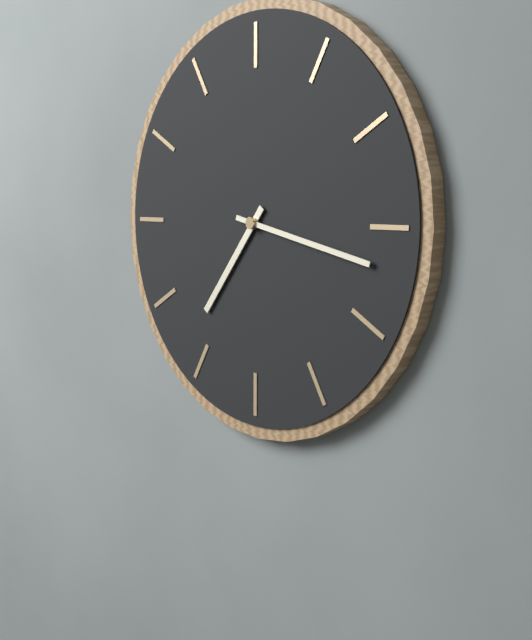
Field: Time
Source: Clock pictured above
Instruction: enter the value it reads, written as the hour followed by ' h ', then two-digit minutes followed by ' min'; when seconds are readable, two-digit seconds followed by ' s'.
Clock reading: 7 h 17 min
